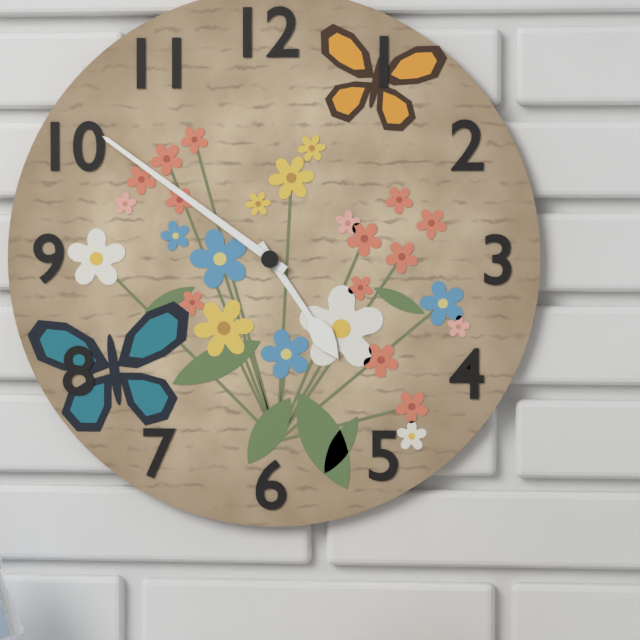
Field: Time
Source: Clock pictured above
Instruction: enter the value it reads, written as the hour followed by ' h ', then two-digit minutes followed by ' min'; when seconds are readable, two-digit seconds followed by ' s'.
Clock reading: 4 h 51 min
